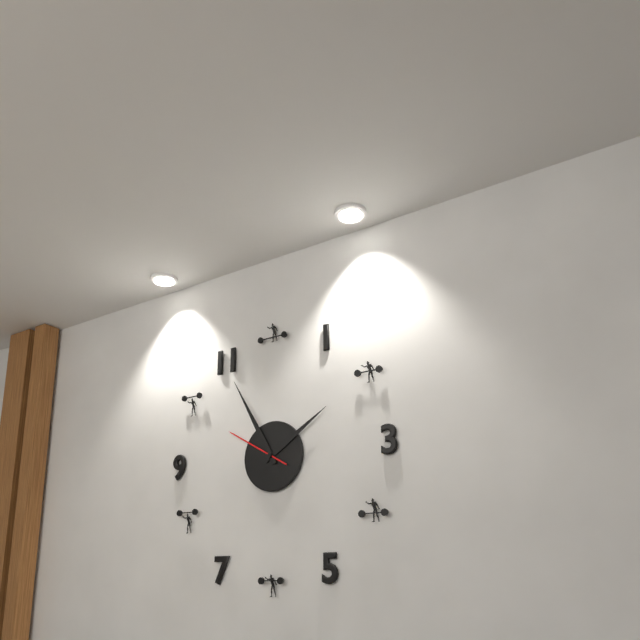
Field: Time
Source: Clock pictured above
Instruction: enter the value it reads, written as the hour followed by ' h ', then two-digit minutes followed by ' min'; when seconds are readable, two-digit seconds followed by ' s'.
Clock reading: 1 h 55 min 50 s
